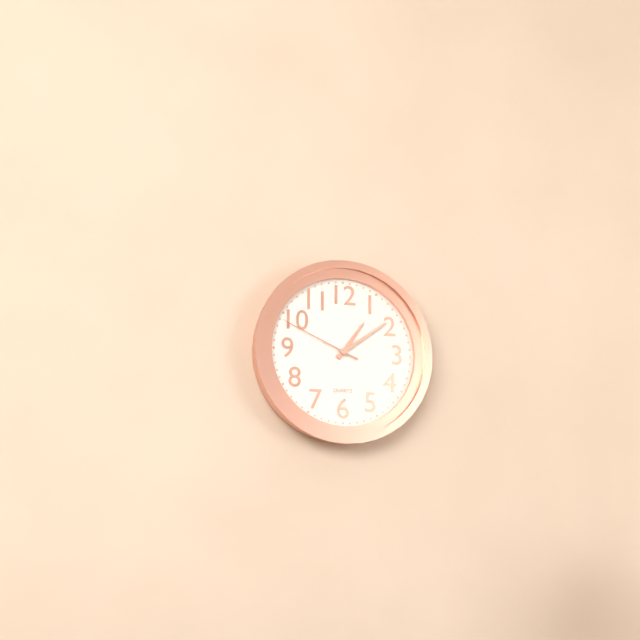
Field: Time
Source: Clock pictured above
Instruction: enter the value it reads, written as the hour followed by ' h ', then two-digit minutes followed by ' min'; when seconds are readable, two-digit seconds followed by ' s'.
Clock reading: 1 h 09 min 49 s
